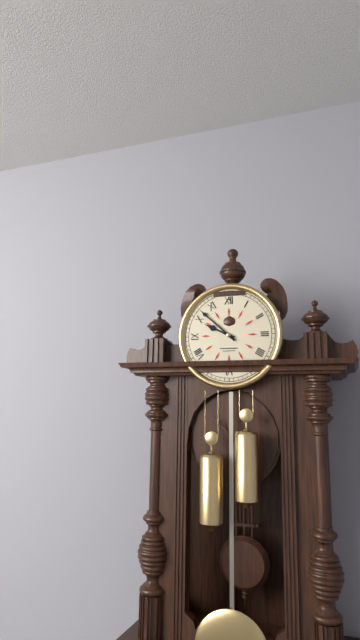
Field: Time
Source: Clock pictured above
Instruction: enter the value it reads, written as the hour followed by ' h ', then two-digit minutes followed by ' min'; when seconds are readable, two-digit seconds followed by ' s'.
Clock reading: 9 h 52 min
